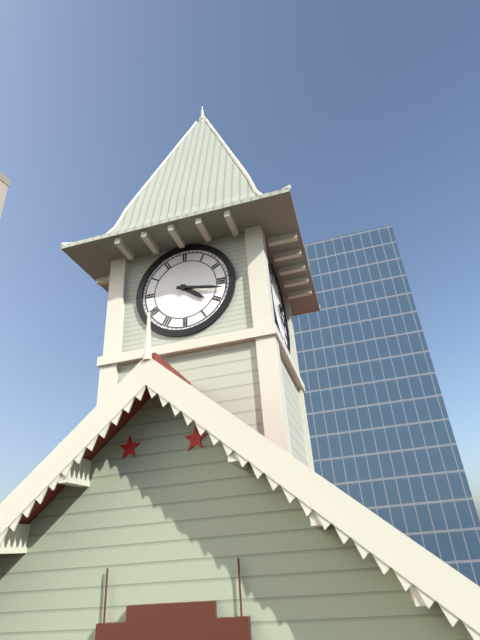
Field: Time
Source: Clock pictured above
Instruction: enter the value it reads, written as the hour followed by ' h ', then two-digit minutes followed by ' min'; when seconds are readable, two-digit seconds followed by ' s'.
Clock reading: 4 h 17 min
